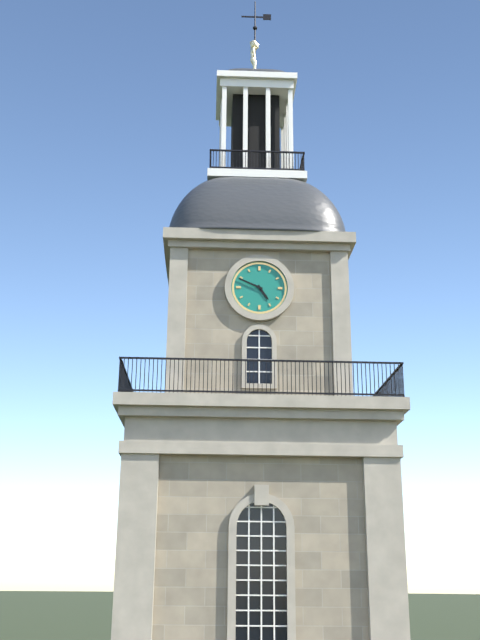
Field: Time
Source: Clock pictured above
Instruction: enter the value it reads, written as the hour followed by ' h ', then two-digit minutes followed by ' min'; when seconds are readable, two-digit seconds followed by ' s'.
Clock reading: 4 h 49 min
